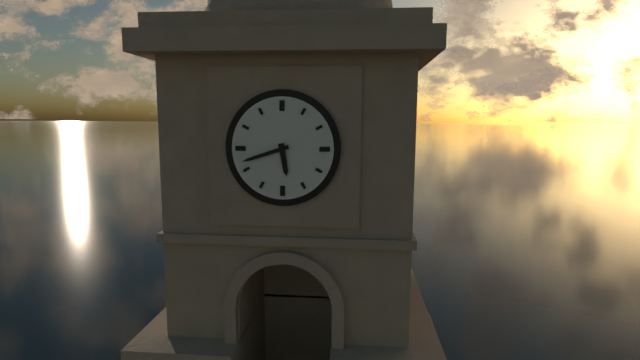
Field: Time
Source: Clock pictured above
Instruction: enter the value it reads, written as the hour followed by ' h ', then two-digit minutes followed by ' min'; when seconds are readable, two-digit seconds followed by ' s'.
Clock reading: 5 h 42 min
